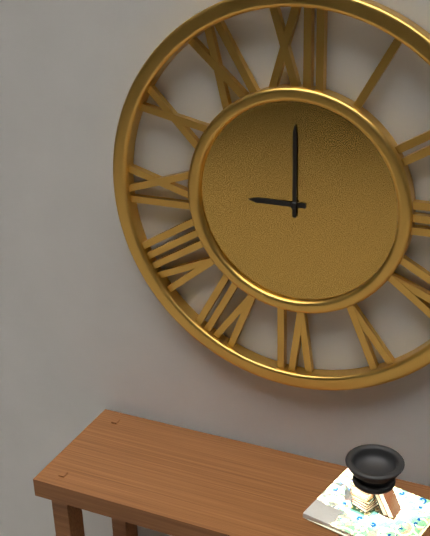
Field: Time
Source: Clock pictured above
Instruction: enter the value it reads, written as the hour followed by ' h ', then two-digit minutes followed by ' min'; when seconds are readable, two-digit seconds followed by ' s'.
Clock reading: 9 h 00 min
